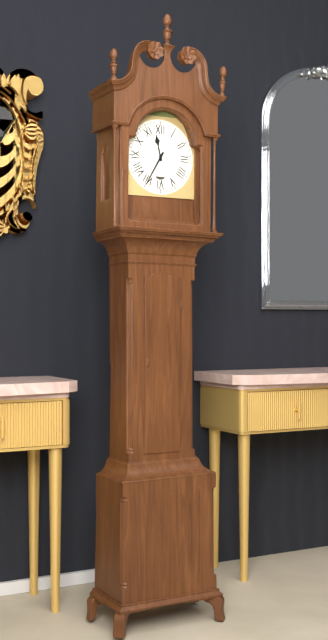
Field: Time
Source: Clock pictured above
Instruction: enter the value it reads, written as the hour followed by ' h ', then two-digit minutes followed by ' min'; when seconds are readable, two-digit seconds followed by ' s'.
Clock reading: 11 h 35 min
